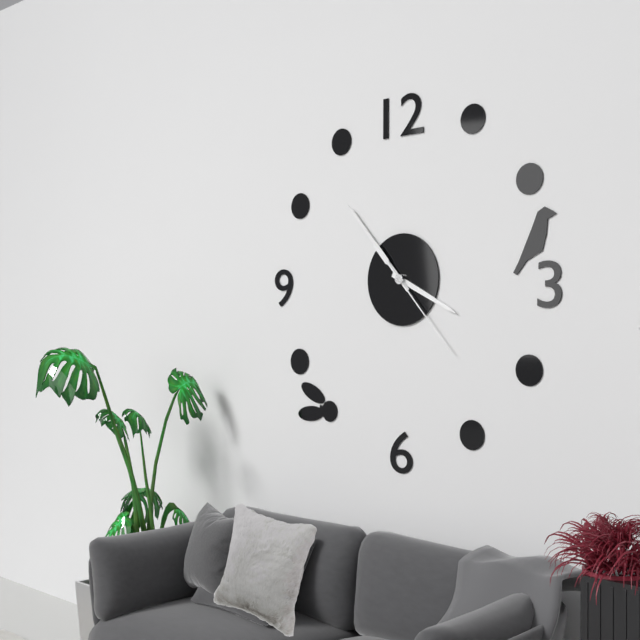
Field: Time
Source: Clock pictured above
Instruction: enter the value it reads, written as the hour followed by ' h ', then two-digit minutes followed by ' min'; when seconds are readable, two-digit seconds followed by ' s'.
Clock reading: 3 h 53 min 23 s
